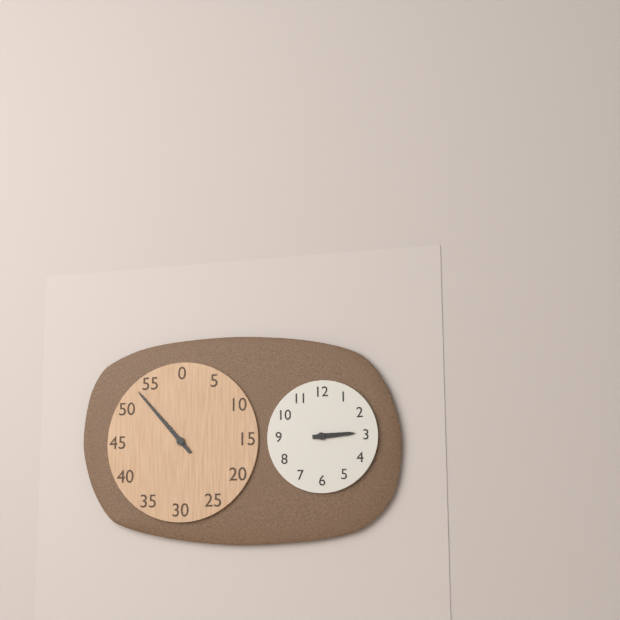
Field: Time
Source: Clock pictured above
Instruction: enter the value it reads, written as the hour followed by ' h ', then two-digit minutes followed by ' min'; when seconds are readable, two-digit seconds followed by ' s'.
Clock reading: 2 h 53 min
